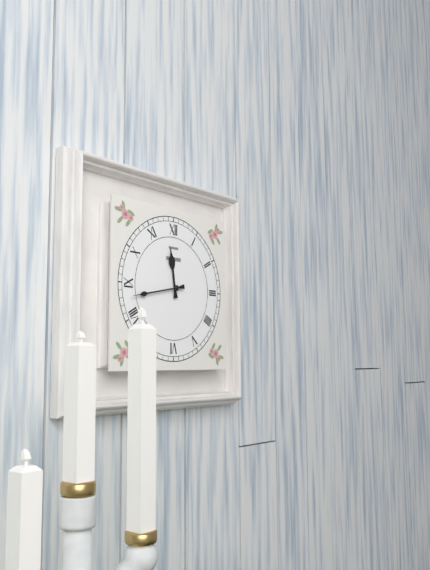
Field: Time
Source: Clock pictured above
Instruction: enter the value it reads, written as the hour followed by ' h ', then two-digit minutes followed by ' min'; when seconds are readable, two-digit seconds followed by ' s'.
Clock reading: 11 h 43 min
